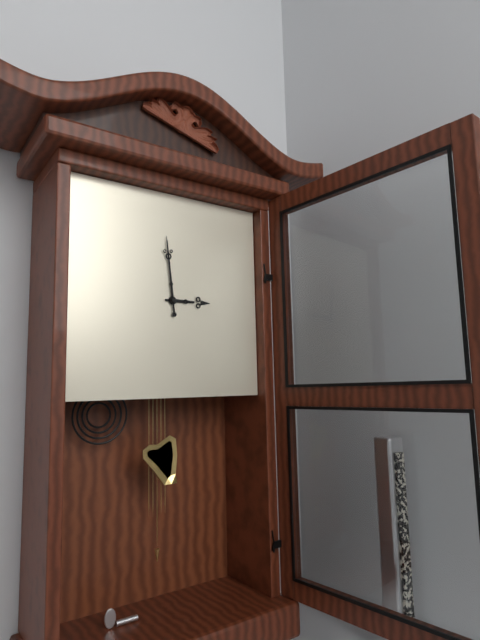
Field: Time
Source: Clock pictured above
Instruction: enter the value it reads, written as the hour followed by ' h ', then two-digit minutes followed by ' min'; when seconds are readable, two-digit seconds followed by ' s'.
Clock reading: 2 h 59 min
